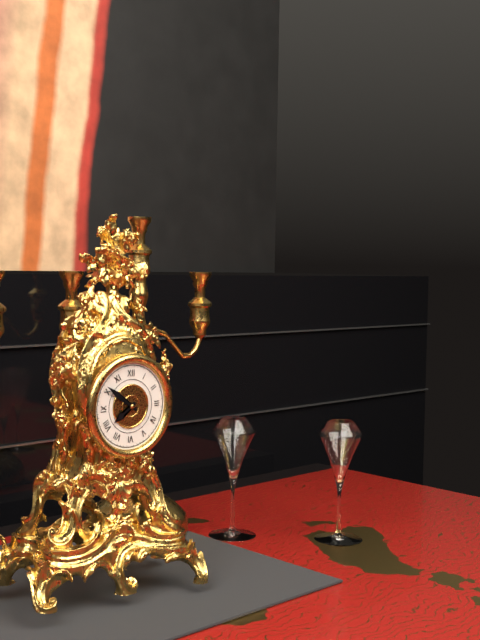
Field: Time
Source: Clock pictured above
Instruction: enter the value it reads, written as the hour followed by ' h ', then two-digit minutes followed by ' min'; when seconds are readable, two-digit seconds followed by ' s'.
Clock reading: 7 h 51 min
